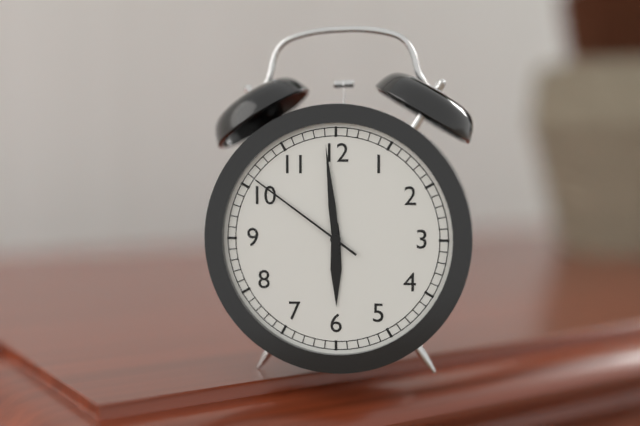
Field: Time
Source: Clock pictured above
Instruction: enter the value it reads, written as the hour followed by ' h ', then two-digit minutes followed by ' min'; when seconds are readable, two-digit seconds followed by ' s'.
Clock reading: 5 h 59 min 51 s
